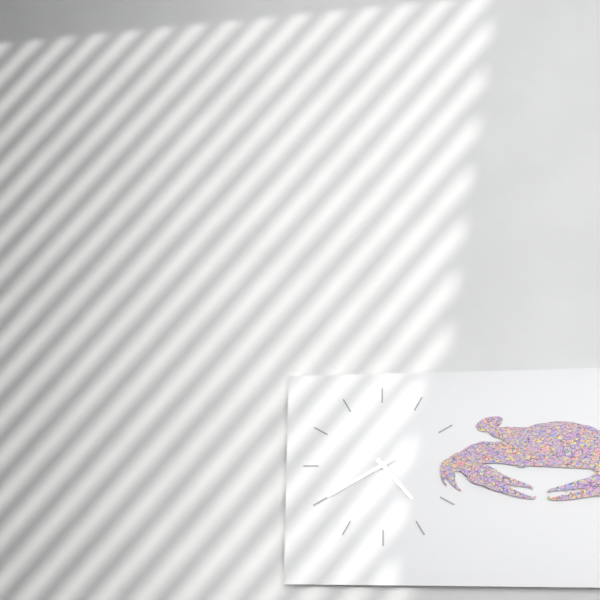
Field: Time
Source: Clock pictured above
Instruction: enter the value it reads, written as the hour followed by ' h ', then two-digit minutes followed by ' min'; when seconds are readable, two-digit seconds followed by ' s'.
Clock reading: 4 h 40 min
